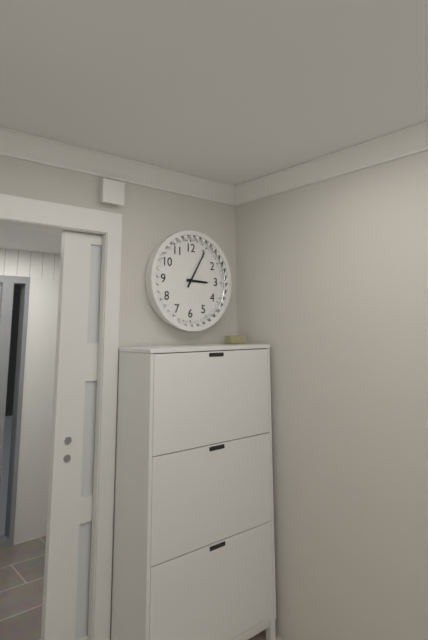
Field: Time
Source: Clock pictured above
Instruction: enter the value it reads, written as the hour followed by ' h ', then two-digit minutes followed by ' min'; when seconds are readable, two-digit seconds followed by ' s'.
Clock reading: 3 h 05 min
